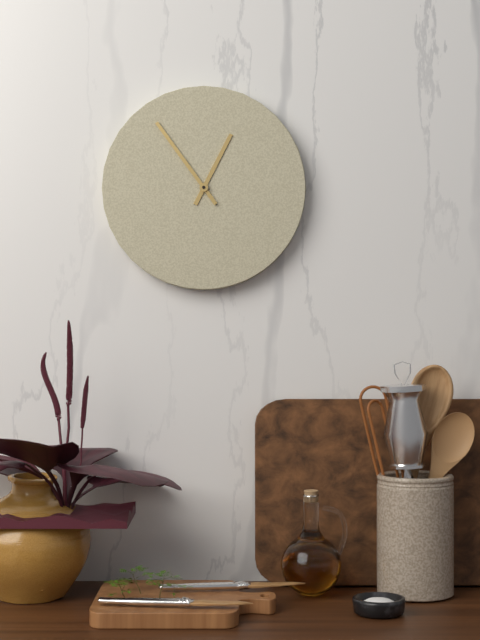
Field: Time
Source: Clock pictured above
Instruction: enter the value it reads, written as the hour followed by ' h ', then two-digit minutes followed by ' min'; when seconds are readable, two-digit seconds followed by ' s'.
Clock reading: 12 h 54 min
